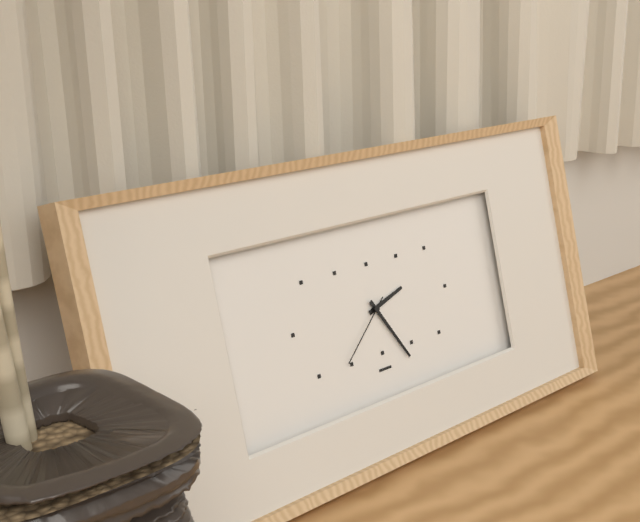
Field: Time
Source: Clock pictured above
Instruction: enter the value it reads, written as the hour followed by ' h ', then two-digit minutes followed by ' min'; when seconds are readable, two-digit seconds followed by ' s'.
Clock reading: 2 h 25 min 38 s
